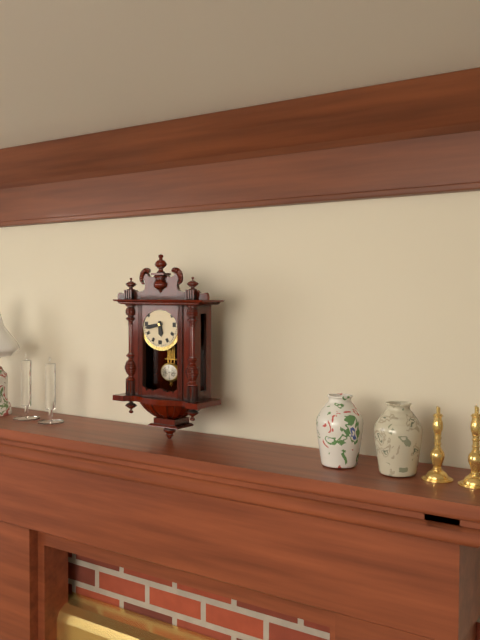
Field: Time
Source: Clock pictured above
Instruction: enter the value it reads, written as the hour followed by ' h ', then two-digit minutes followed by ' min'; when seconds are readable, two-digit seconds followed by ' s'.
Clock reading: 5 h 43 min
